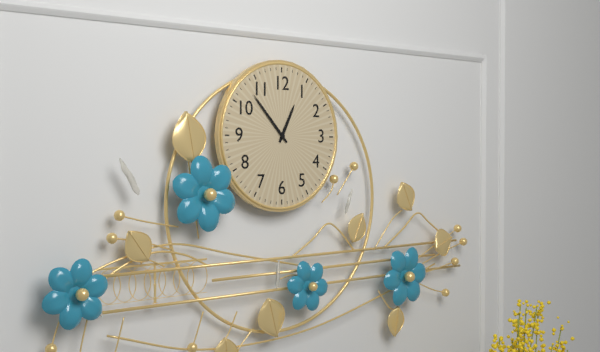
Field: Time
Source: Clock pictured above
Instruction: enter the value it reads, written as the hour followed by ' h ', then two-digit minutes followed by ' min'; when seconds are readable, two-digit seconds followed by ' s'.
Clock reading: 12 h 53 min
